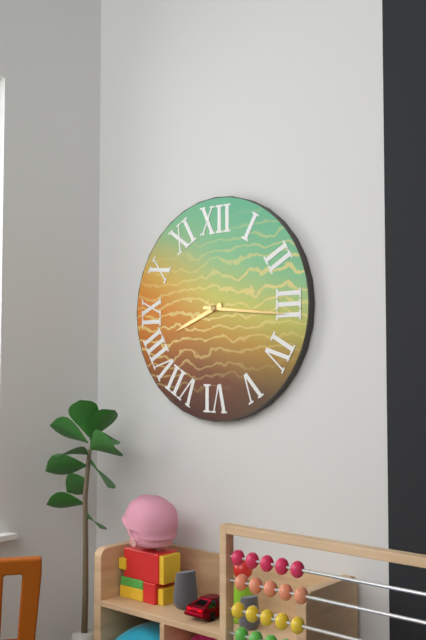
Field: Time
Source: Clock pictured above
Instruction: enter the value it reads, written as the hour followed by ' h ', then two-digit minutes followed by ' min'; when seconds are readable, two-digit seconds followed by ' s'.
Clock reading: 8 h 16 min
